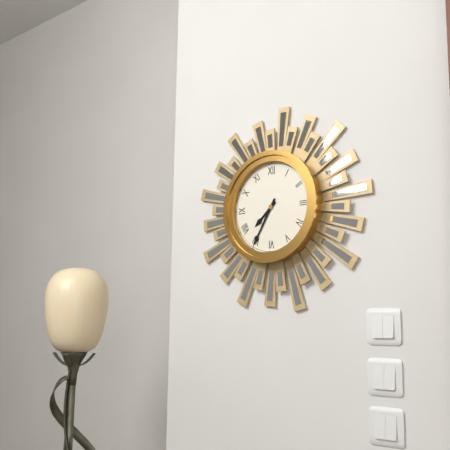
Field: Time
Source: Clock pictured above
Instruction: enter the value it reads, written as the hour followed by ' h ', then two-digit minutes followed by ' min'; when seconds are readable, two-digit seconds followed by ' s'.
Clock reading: 7 h 35 min
